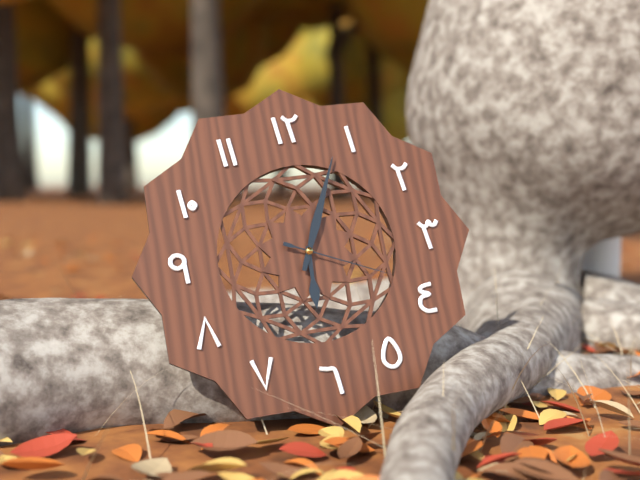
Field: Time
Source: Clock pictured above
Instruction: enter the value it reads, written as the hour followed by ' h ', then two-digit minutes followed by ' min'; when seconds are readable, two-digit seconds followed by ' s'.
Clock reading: 6 h 04 min 19 s
